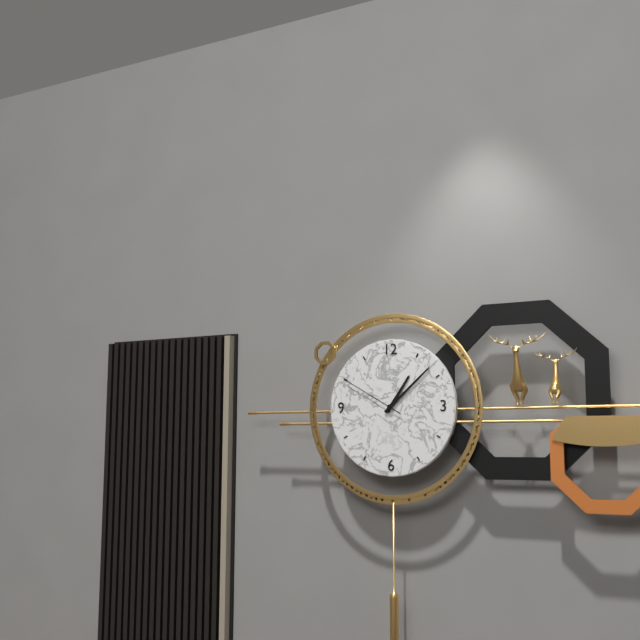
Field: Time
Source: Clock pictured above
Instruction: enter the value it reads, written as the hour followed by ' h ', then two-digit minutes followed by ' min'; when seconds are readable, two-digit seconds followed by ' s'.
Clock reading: 1 h 08 min 50 s
